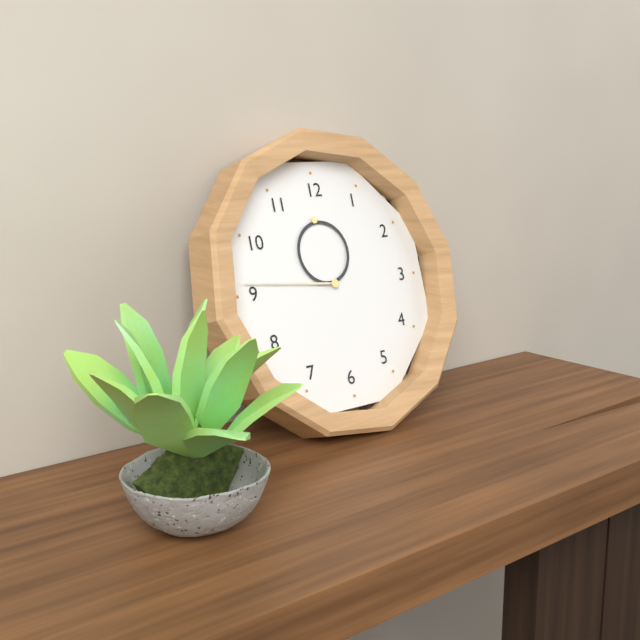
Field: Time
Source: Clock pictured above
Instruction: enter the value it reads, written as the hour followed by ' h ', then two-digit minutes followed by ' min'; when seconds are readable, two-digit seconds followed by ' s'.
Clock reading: 11 h 46 min
